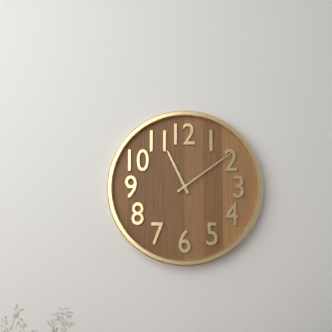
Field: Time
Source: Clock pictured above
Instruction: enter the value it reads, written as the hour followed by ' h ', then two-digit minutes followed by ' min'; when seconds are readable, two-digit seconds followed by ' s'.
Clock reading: 11 h 09 min
